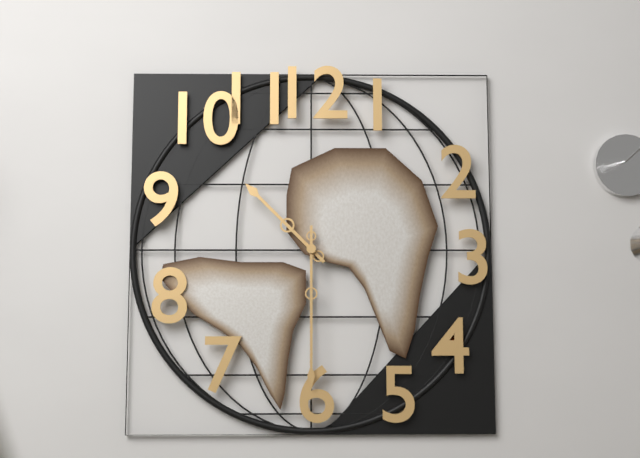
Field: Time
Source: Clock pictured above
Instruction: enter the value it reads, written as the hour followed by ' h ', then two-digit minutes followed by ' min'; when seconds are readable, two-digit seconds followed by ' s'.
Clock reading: 10 h 30 min
